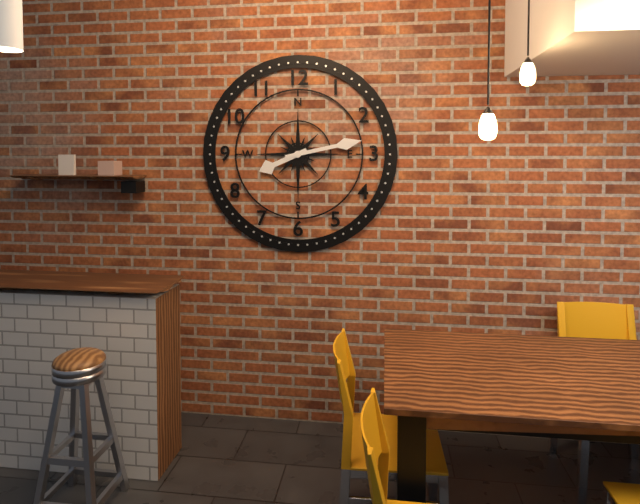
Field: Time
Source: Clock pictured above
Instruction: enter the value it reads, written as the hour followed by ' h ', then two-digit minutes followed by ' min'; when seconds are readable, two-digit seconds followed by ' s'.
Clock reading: 8 h 13 min
